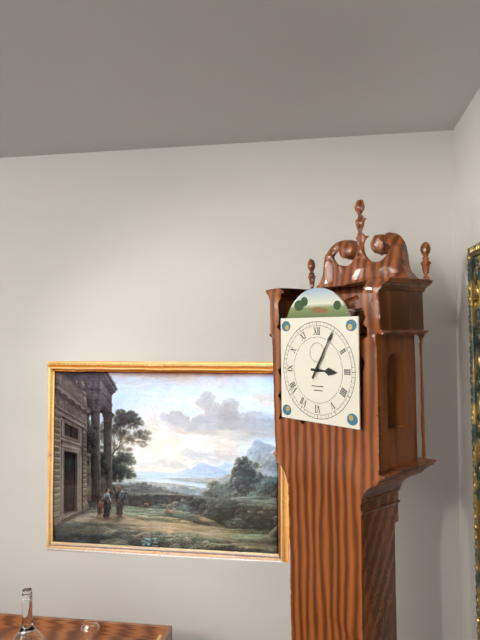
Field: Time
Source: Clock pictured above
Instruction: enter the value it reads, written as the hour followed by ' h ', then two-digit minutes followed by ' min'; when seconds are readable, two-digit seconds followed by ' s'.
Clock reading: 3 h 05 min
